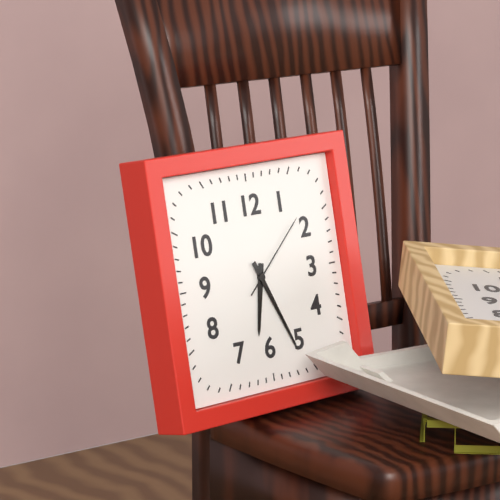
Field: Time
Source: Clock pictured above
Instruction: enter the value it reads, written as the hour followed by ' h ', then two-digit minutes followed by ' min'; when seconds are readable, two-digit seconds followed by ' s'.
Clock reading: 6 h 26 min 08 s
